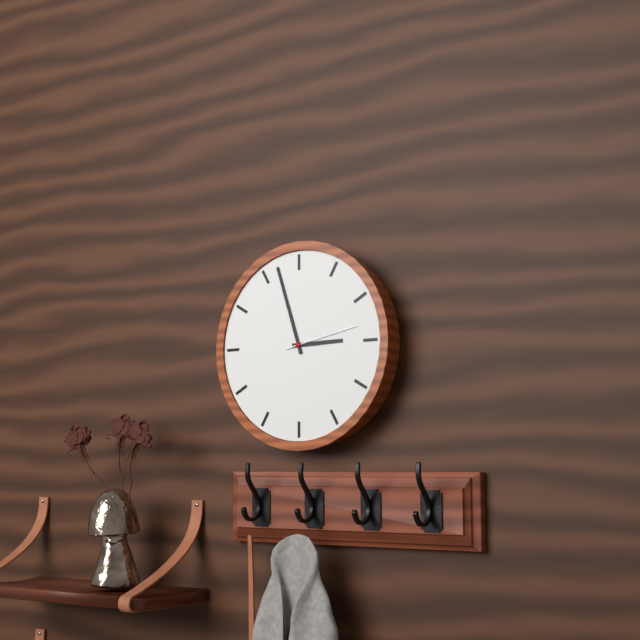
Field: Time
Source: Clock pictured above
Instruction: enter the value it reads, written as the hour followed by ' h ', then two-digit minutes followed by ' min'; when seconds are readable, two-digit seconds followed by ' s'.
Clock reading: 2 h 57 min 13 s
